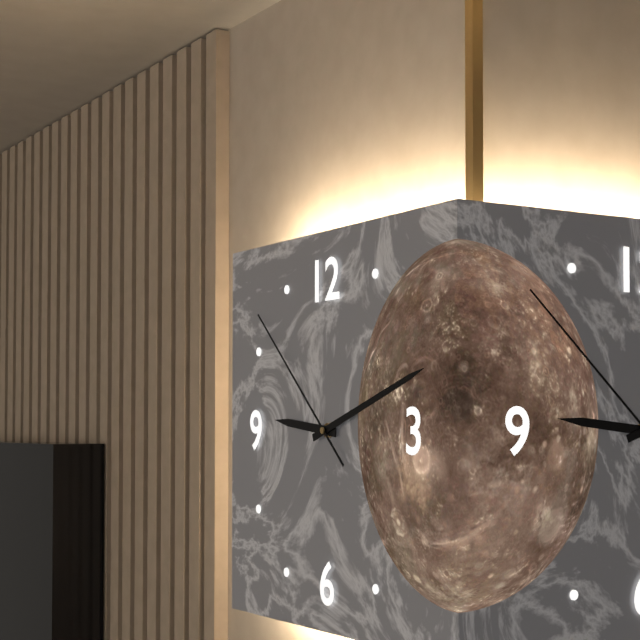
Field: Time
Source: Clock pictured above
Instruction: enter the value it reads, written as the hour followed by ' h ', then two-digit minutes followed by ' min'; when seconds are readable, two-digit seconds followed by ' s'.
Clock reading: 9 h 12 min 52 s
